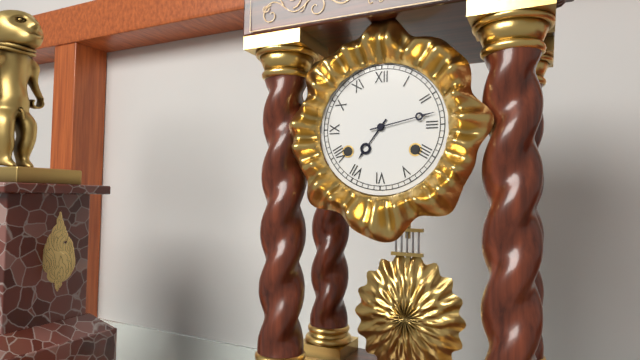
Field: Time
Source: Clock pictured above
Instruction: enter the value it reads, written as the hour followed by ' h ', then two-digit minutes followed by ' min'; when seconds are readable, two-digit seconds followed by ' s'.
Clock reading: 7 h 13 min
